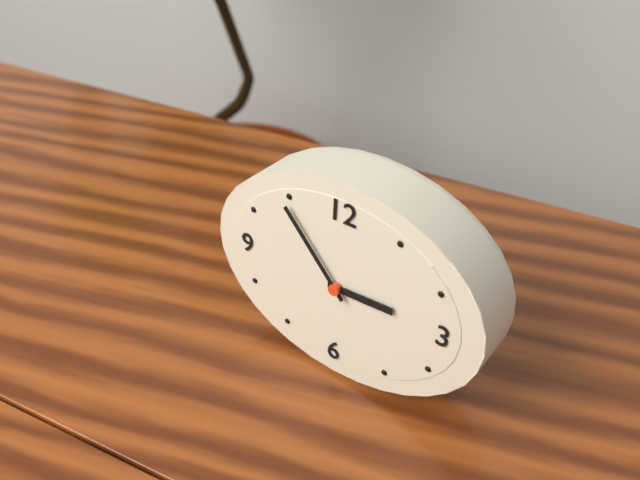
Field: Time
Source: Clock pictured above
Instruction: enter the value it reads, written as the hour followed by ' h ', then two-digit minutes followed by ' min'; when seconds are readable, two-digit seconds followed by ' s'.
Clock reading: 2 h 53 min
